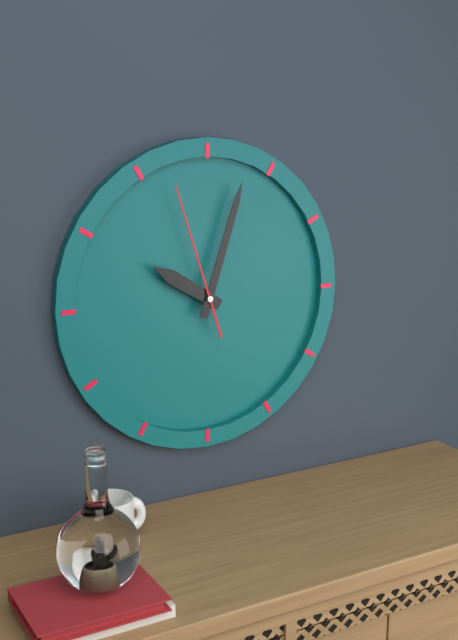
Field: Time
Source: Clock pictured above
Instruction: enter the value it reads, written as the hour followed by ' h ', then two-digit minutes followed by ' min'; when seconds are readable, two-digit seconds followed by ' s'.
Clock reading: 10 h 03 min 57 s
